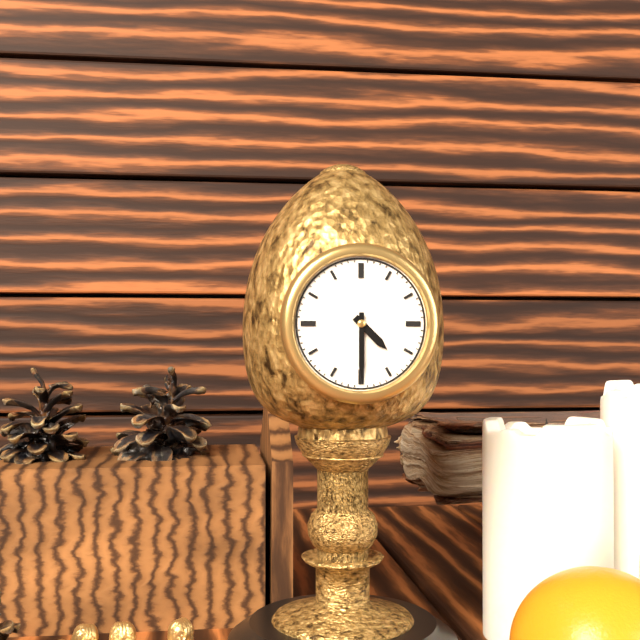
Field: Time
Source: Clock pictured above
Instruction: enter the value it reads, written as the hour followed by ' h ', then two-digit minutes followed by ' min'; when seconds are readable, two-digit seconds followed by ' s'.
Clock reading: 4 h 30 min
